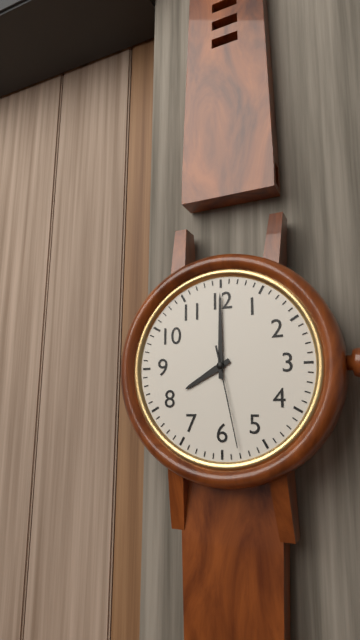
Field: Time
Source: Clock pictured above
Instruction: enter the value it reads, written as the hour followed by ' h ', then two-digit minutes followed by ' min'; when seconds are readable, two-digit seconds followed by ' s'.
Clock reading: 8 h 00 min 28 s
